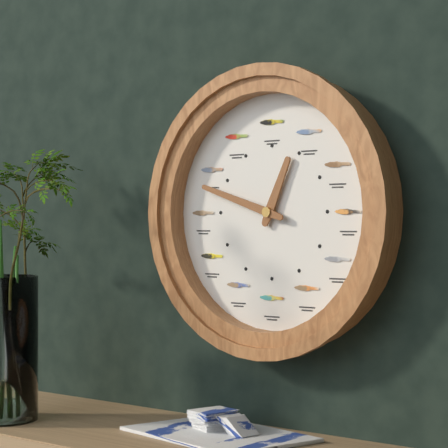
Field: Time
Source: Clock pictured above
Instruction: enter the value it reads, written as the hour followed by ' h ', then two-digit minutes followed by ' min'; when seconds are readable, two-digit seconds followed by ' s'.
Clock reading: 12 h 48 min
